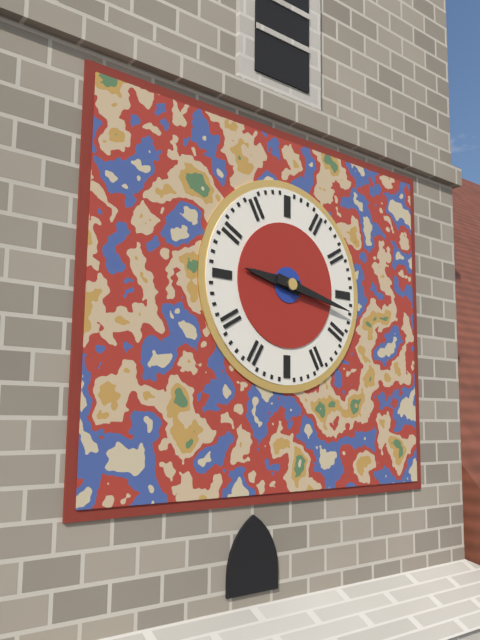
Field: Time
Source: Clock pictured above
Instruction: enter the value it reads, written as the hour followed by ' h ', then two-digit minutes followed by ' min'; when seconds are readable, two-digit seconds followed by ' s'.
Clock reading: 9 h 17 min
